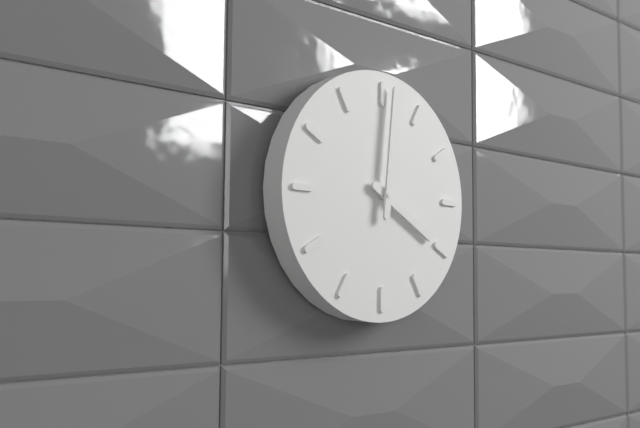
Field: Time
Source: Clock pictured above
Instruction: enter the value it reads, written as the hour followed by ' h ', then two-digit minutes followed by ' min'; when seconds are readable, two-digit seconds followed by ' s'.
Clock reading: 4 h 01 min
